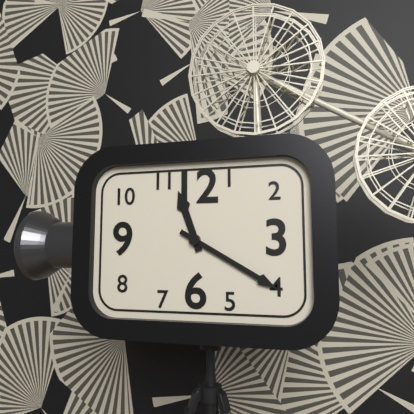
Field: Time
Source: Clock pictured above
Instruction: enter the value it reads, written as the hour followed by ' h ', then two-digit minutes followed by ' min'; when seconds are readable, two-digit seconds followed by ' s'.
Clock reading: 11 h 20 min
